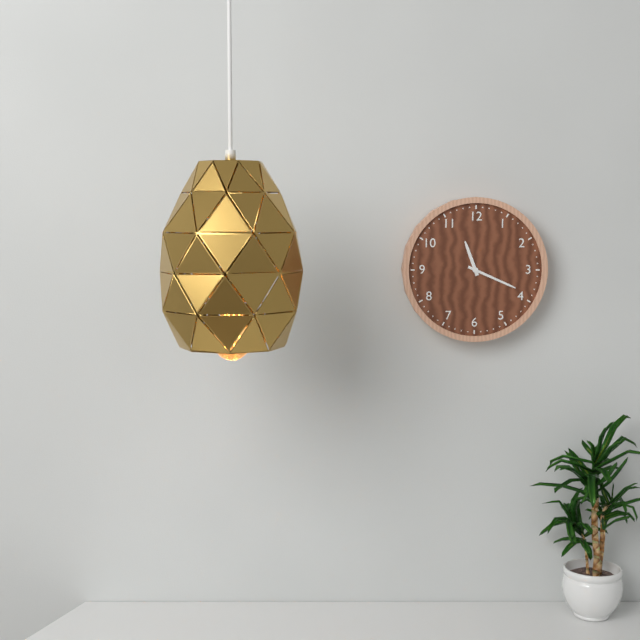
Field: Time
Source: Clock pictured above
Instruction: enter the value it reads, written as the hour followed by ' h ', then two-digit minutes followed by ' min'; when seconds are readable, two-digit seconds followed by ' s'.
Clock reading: 11 h 19 min
